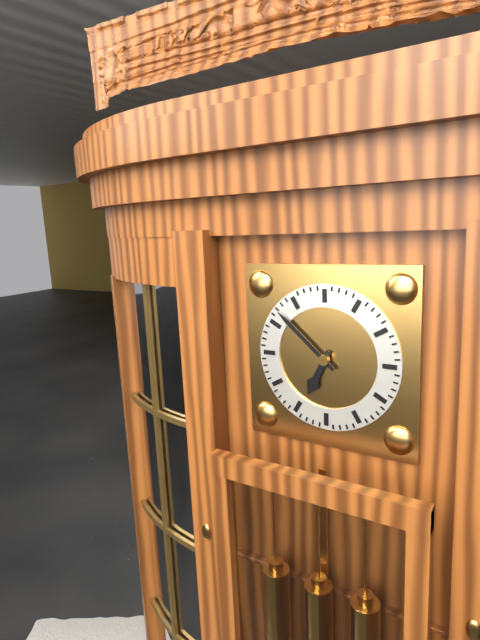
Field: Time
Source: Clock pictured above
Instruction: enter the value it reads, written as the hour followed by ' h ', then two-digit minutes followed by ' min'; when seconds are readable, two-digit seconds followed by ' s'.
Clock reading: 6 h 52 min
